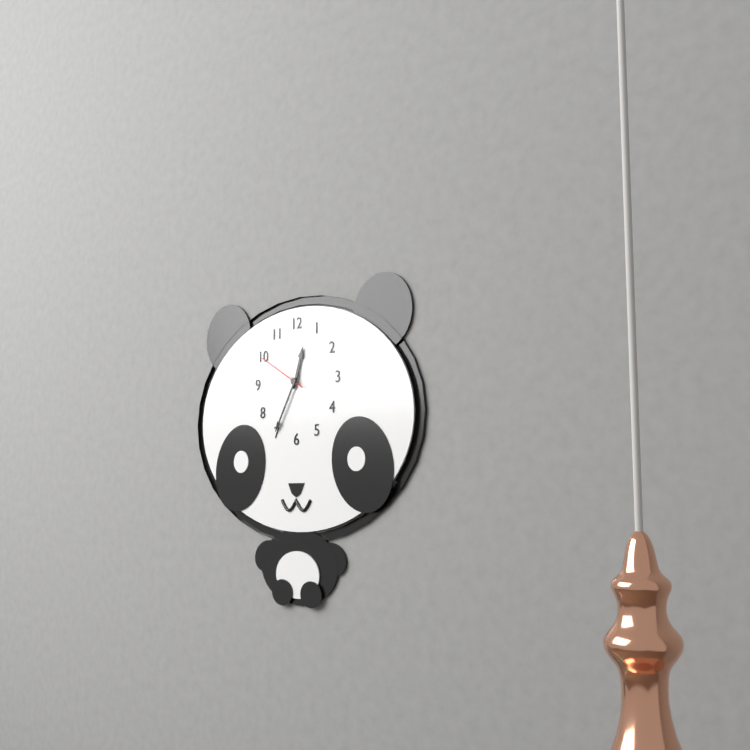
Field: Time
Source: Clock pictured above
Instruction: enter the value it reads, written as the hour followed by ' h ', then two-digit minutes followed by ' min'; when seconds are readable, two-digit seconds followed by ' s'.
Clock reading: 12 h 35 min
